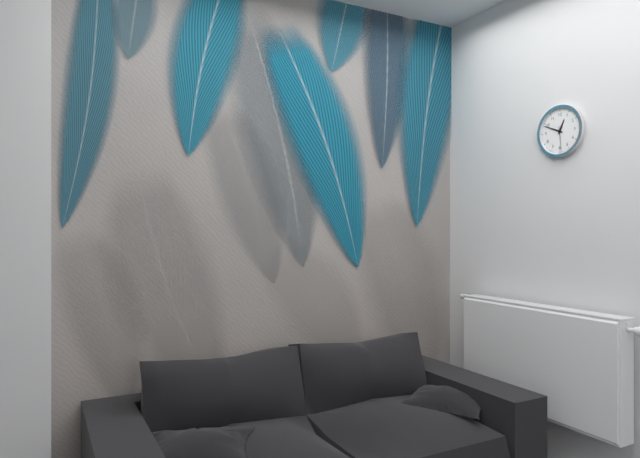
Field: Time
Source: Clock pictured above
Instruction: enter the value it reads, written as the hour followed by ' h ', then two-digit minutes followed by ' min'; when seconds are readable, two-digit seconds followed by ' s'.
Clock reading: 12 h 49 min
